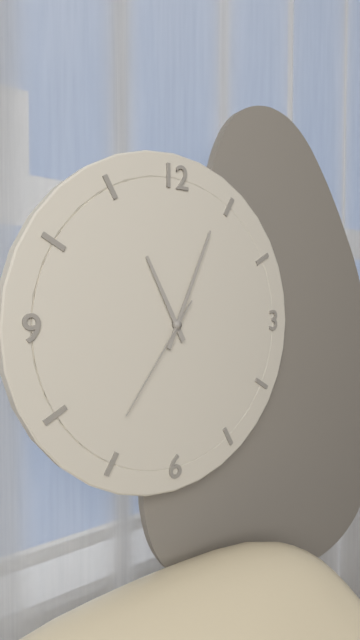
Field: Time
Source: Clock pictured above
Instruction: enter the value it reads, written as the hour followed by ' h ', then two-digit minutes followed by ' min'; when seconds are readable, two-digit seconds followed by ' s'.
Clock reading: 11 h 04 min 36 s
